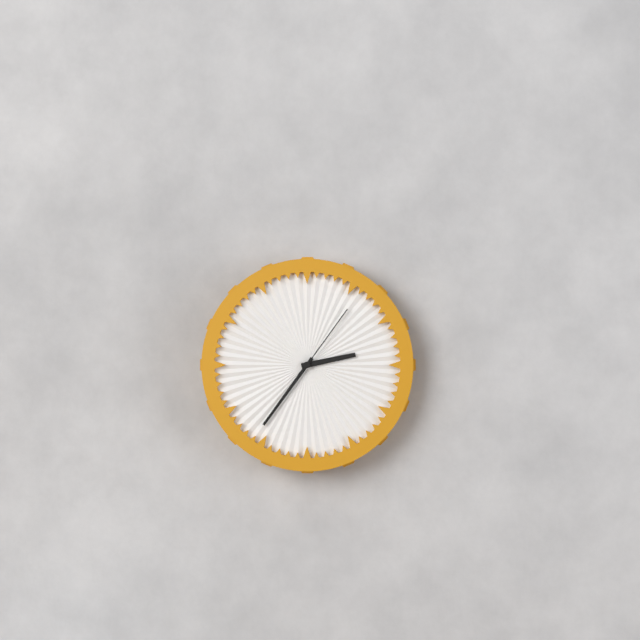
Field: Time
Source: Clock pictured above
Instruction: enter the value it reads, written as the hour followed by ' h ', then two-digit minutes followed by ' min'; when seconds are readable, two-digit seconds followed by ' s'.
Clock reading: 2 h 36 min 06 s
